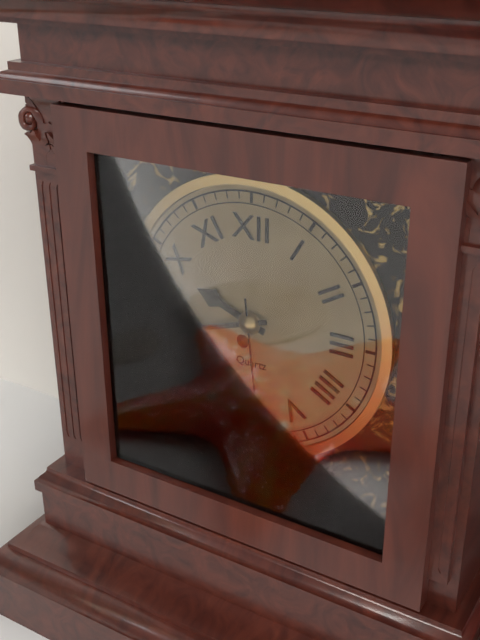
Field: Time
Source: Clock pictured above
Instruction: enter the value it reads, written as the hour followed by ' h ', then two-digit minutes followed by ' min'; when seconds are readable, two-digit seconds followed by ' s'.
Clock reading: 9 h 42 min 29 s
